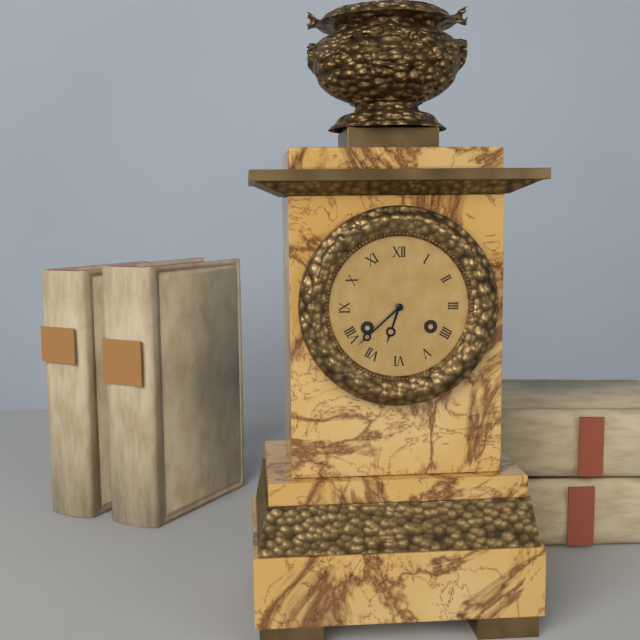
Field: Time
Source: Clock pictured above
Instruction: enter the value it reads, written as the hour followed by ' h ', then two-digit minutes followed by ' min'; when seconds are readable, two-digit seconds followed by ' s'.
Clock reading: 6 h 38 min
